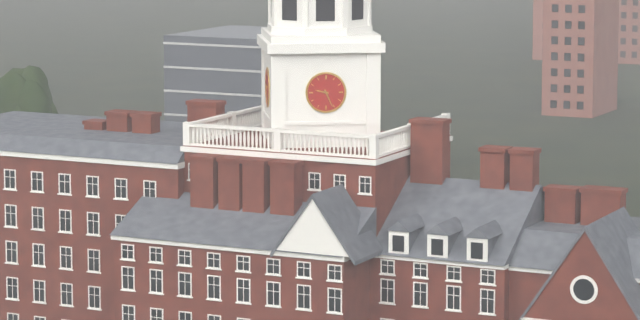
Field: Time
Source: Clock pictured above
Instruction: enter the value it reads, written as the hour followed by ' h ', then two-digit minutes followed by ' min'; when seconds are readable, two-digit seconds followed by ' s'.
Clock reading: 9 h 26 min
